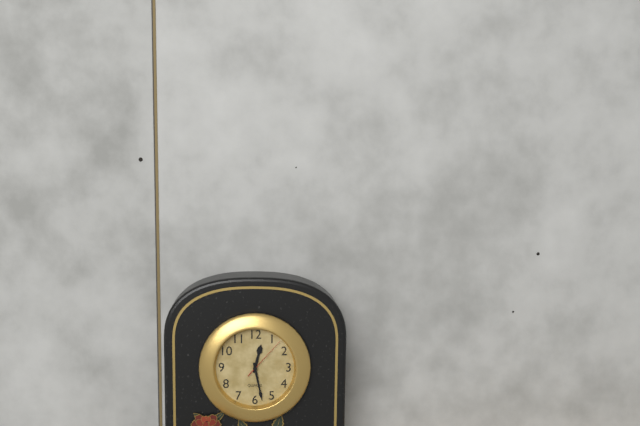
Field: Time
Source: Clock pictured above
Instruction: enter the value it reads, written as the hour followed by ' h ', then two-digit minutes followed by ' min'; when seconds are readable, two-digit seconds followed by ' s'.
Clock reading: 12 h 28 min
